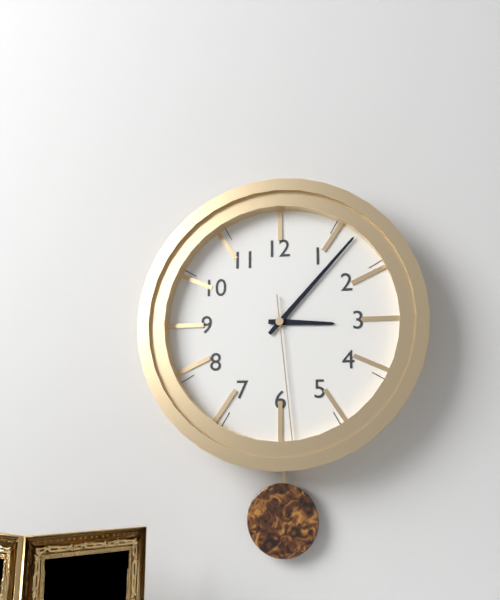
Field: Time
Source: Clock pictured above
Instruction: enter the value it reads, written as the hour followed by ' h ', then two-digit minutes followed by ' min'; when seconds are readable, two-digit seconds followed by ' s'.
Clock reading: 3 h 07 min 29 s
